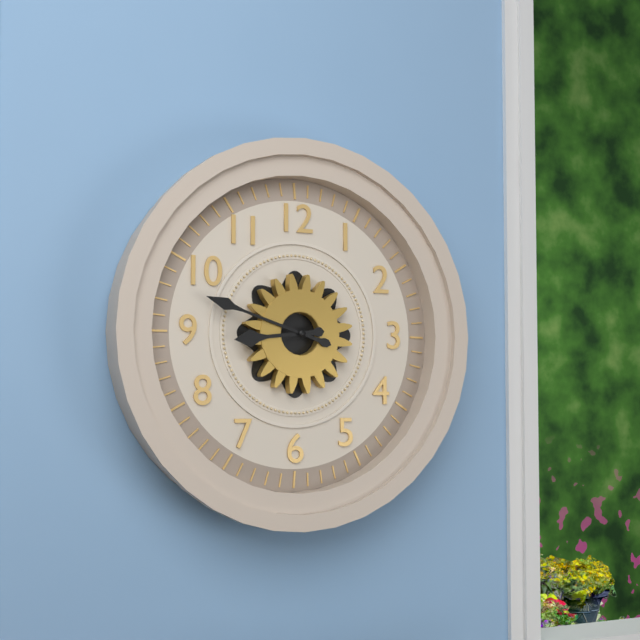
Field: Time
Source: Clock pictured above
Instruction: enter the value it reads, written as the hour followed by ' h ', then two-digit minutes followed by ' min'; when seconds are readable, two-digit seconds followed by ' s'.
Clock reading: 8 h 48 min
